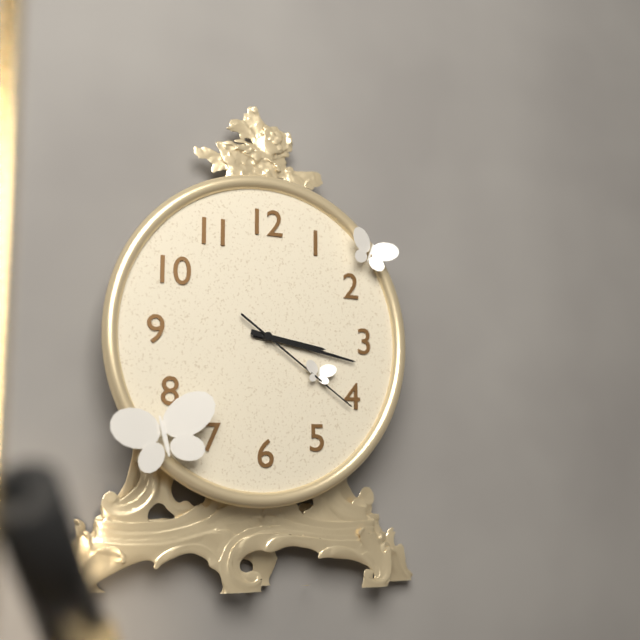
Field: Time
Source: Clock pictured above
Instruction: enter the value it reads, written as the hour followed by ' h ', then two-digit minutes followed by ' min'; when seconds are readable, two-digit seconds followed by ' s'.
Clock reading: 3 h 17 min 21 s
